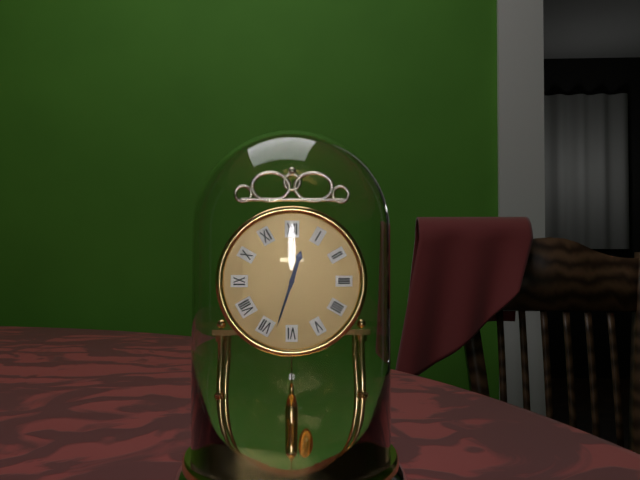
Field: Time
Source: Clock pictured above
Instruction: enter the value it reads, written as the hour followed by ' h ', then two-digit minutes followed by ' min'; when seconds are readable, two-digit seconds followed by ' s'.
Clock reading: 12 h 33 min
